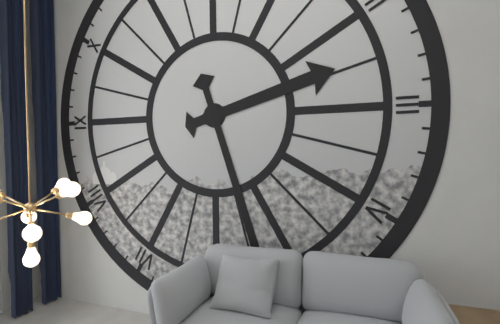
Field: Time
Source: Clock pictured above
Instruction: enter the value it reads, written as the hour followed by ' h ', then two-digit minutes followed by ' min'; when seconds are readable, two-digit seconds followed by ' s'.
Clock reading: 2 h 27 min
